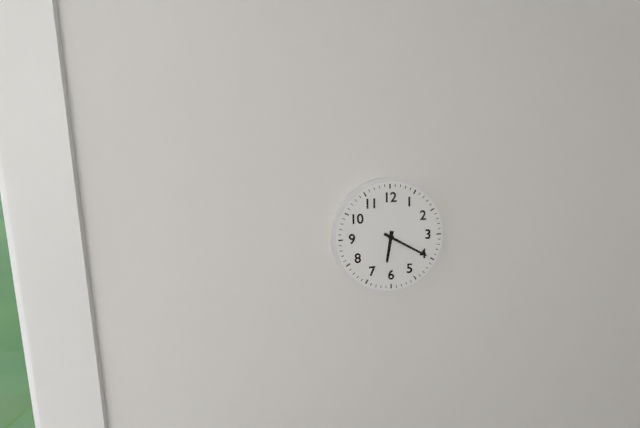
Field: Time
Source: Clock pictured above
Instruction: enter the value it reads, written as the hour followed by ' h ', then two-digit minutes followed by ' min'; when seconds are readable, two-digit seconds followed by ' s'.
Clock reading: 6 h 20 min
